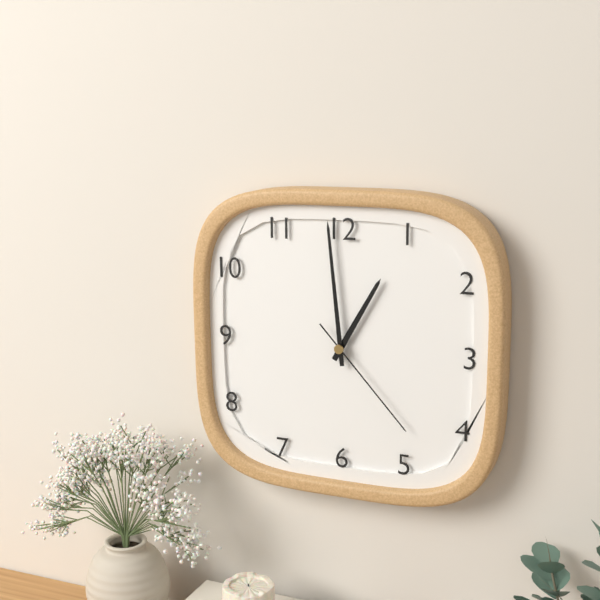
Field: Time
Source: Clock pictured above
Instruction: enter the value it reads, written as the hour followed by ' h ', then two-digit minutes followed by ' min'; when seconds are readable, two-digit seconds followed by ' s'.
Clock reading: 12 h 59 min 23 s
